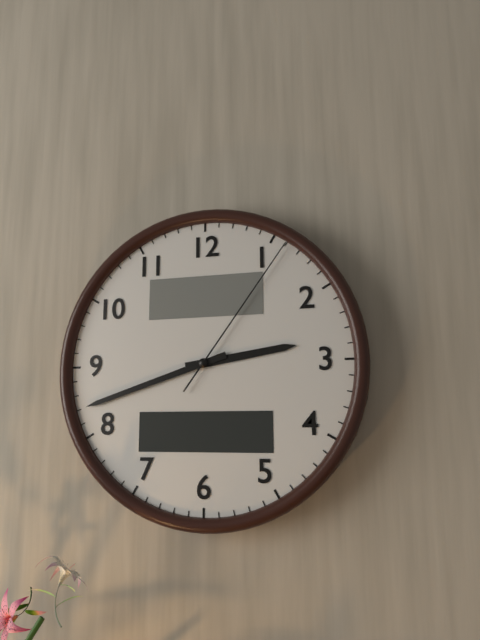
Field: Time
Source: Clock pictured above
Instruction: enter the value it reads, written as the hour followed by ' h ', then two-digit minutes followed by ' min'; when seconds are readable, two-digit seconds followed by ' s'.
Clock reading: 2 h 42 min 06 s
